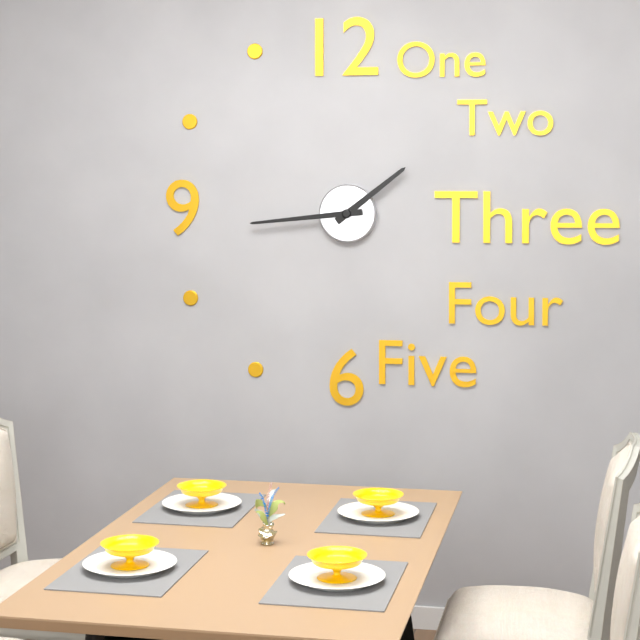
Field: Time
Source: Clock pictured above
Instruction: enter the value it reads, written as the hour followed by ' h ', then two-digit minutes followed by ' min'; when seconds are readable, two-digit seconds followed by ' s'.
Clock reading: 1 h 44 min
